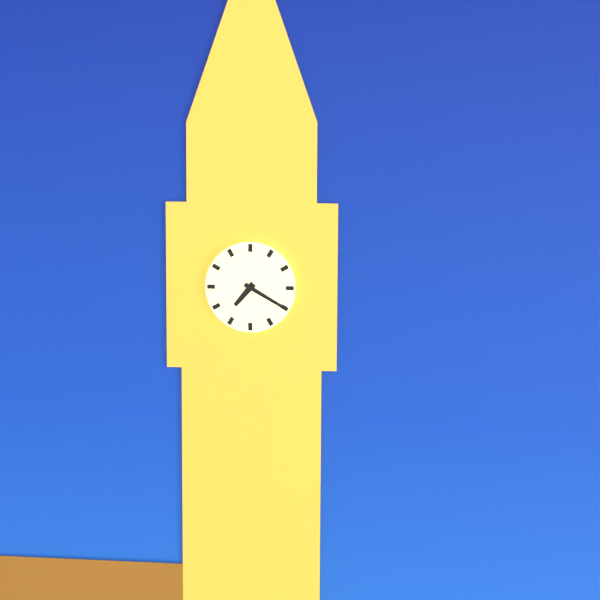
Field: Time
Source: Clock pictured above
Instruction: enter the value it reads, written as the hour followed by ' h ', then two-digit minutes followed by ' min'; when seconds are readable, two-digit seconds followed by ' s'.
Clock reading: 7 h 20 min
